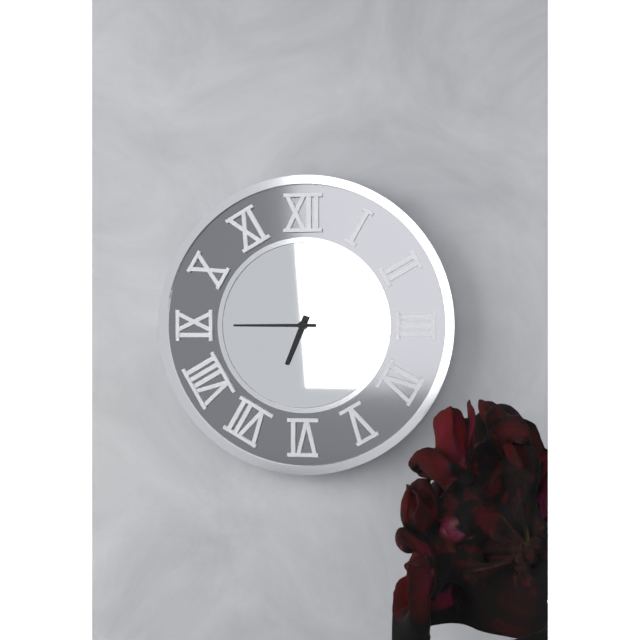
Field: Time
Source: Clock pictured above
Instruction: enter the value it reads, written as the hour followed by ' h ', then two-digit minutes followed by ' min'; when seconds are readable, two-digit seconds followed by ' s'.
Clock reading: 6 h 45 min
